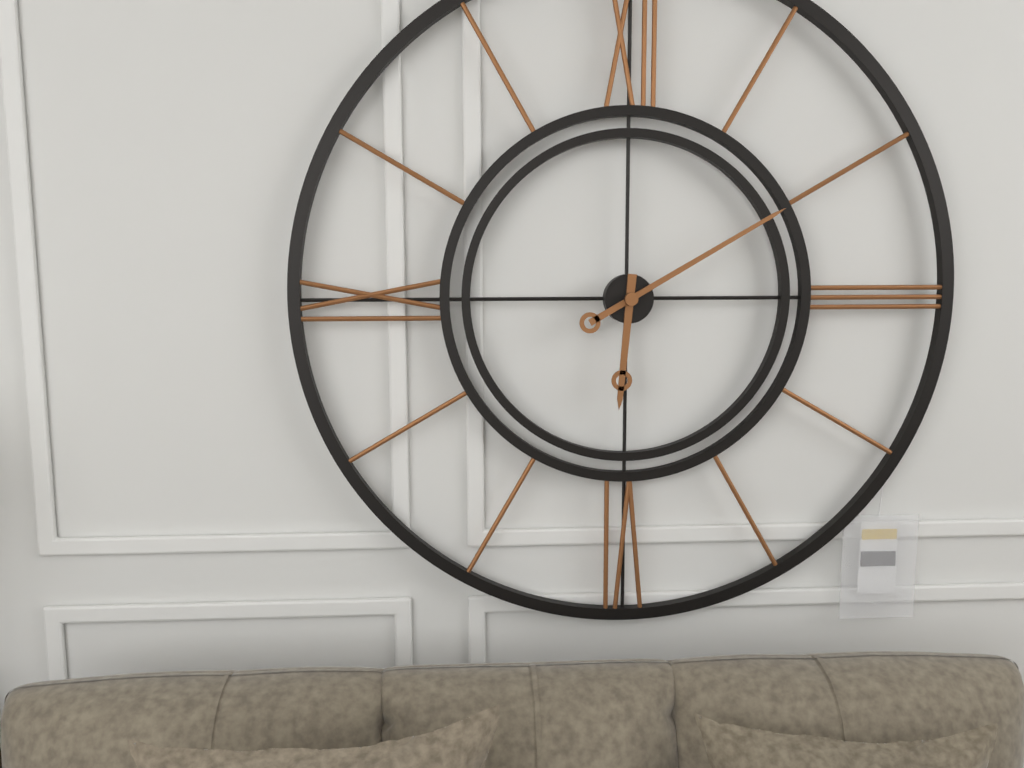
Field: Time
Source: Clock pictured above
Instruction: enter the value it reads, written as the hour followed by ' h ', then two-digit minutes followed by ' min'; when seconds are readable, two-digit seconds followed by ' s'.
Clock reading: 6 h 10 min
